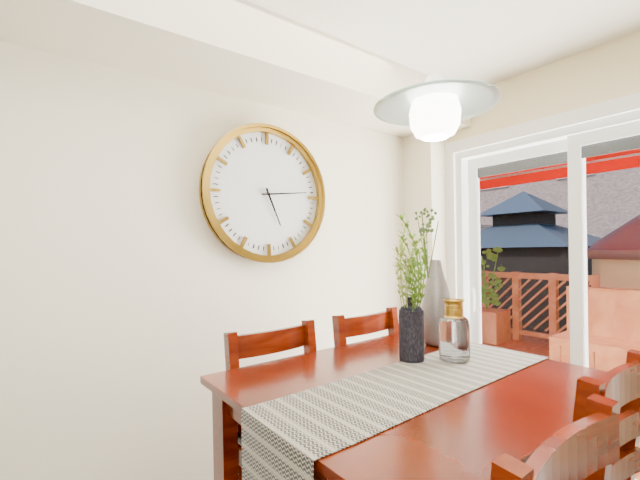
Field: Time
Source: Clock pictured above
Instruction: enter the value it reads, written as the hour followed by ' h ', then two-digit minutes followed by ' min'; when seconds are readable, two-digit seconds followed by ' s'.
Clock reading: 5 h 14 min
